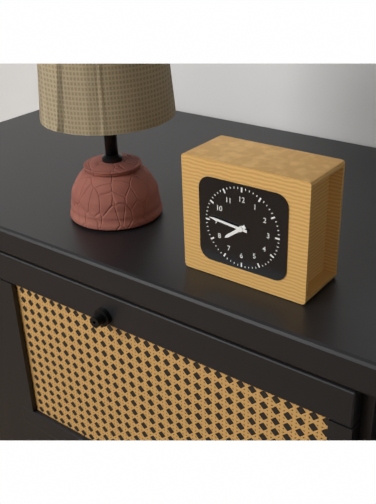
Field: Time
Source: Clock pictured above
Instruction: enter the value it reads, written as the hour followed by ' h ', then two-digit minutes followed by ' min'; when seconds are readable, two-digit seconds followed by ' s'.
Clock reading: 7 h 46 min
